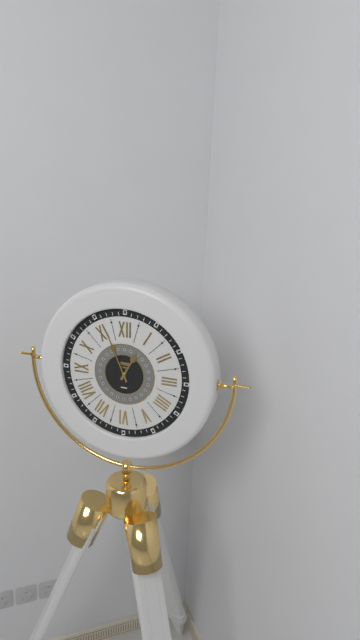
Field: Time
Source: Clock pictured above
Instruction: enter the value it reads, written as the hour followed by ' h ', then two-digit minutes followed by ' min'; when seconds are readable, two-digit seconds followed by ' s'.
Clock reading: 12 h 56 min
